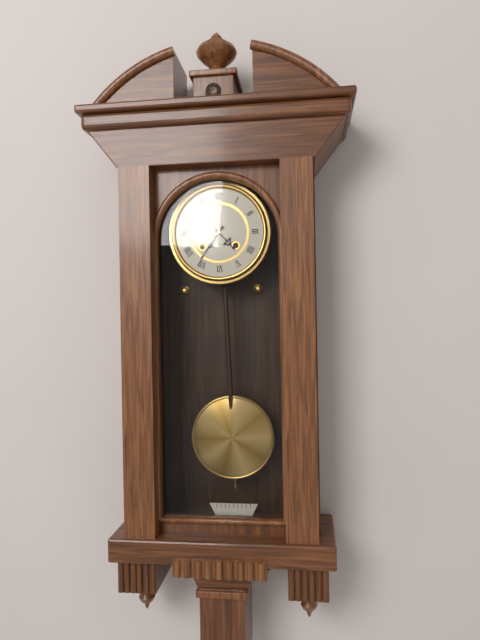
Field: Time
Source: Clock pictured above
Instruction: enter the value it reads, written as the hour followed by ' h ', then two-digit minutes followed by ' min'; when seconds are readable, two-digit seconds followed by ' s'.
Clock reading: 4 h 36 min
